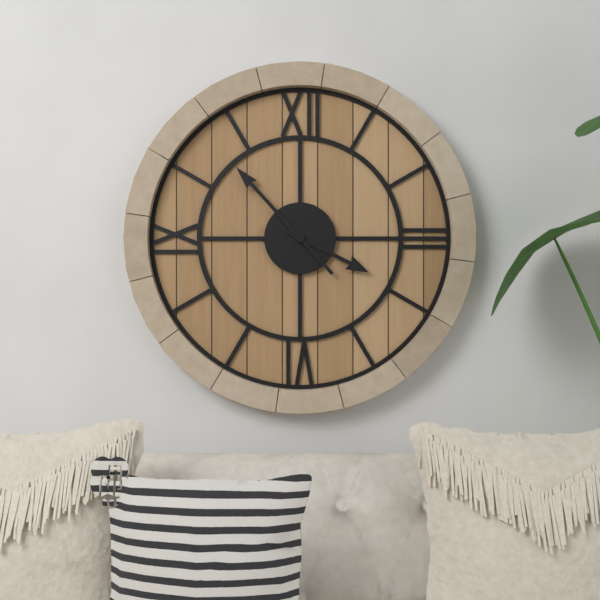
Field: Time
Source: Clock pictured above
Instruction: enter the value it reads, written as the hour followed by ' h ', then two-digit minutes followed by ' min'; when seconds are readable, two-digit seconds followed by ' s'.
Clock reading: 3 h 53 min
